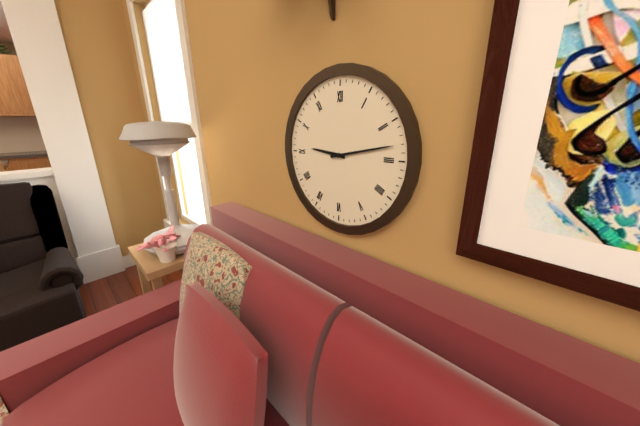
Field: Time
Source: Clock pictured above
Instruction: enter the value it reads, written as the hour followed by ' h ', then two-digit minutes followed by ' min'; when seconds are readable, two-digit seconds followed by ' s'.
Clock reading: 9 h 13 min
